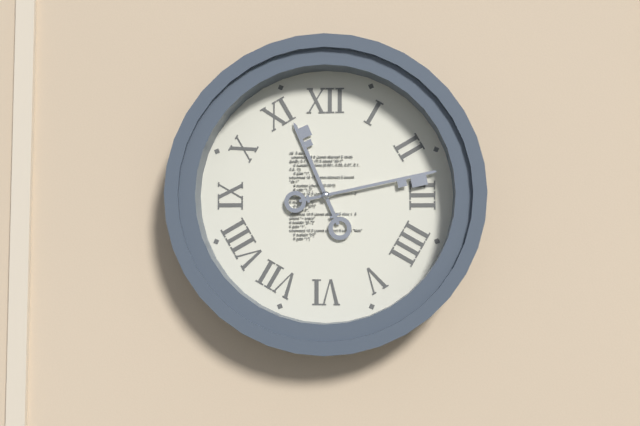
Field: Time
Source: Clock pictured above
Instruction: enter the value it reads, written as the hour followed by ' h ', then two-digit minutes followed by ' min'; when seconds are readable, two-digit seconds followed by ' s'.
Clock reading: 11 h 13 min
